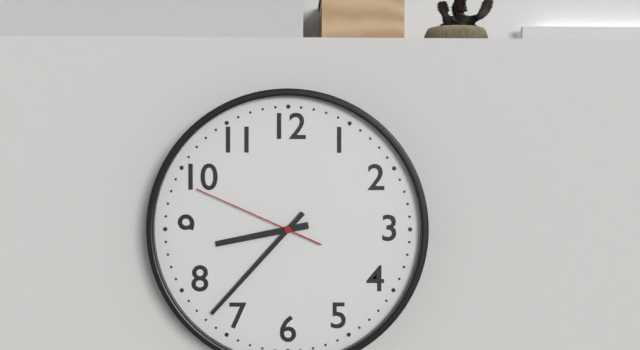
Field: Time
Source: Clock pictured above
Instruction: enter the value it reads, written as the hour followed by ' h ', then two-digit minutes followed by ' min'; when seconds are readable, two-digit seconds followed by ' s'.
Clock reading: 8 h 37 min 49 s
